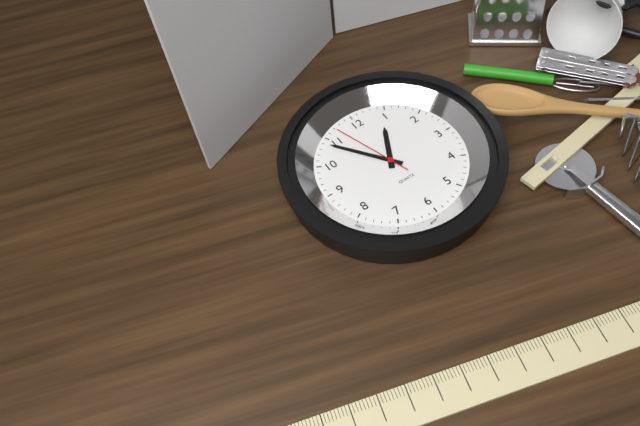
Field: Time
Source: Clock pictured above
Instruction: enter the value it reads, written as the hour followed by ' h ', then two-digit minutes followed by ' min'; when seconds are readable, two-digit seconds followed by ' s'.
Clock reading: 12 h 54 min 57 s
